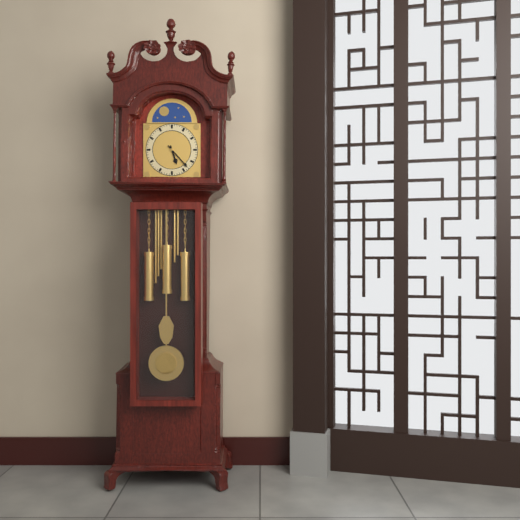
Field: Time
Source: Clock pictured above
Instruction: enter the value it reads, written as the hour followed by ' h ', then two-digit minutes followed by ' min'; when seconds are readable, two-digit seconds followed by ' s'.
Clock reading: 5 h 23 min
